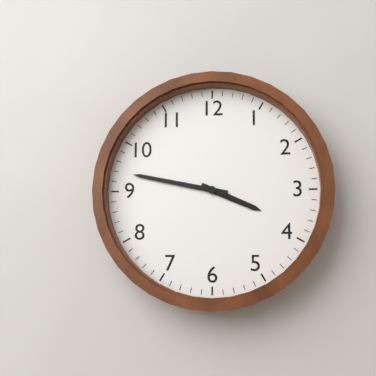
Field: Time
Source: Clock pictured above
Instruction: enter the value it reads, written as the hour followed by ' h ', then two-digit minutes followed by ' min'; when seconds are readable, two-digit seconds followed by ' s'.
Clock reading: 3 h 47 min
